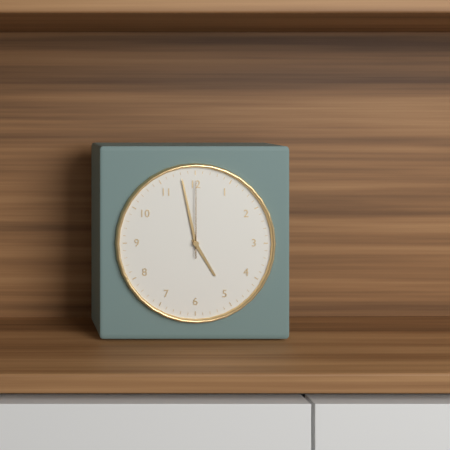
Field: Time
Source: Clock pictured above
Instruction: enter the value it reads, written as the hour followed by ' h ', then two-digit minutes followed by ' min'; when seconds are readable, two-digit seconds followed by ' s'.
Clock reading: 4 h 58 min 00 s
